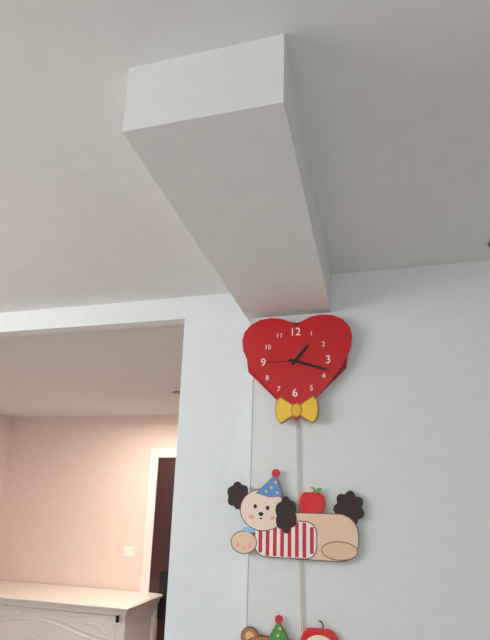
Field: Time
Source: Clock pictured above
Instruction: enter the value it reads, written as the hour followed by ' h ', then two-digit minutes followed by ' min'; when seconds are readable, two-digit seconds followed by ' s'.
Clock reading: 1 h 18 min
